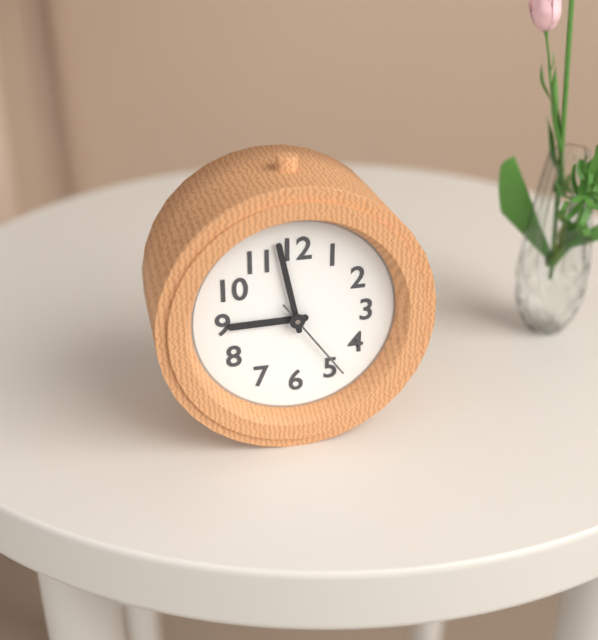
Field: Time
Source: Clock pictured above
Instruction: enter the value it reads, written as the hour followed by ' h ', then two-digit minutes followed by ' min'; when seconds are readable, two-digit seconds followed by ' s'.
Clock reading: 8 h 58 min 24 s
